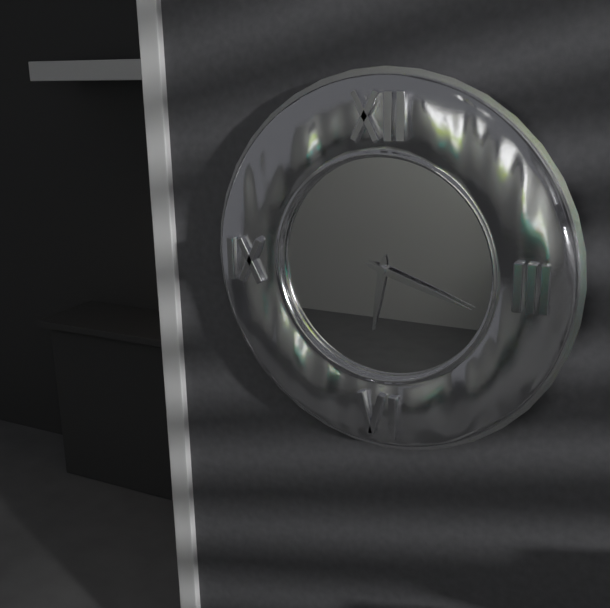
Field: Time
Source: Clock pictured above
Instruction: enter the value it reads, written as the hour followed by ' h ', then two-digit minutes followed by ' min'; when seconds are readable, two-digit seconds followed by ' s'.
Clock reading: 6 h 18 min
